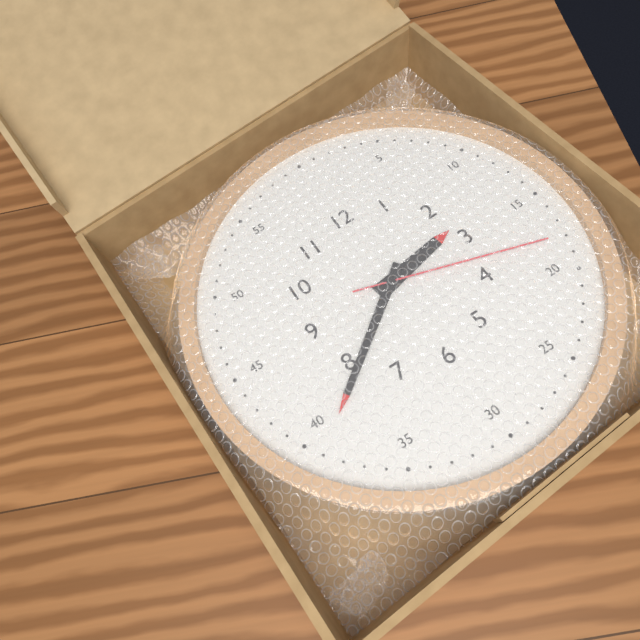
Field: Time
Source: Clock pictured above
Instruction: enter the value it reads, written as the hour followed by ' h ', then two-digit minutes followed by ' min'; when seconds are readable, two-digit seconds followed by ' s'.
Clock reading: 2 h 39 min 18 s
